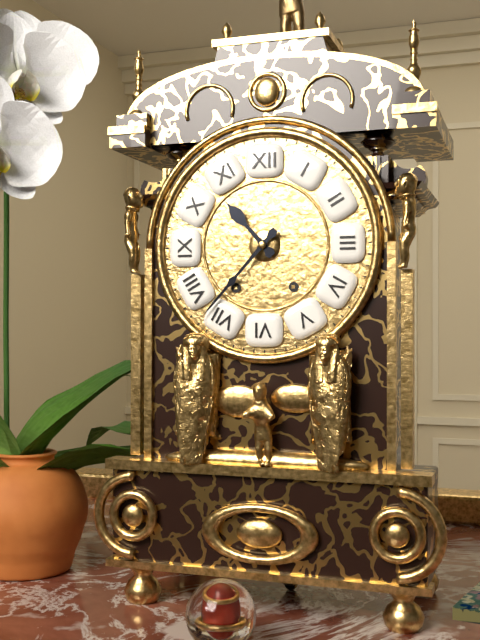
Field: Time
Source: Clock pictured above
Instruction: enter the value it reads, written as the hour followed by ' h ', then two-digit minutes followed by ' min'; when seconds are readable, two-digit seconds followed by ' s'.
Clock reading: 10 h 37 min
